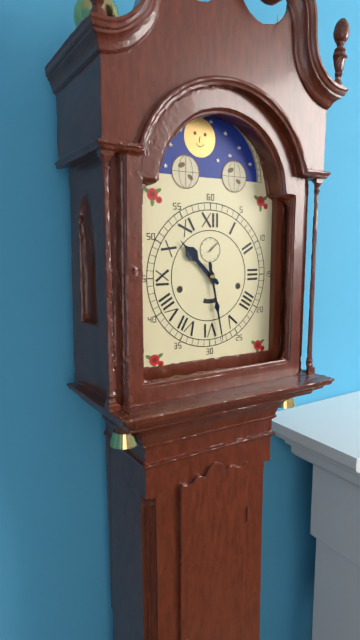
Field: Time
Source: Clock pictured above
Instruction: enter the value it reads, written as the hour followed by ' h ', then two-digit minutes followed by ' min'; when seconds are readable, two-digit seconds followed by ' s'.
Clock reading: 10 h 28 min
